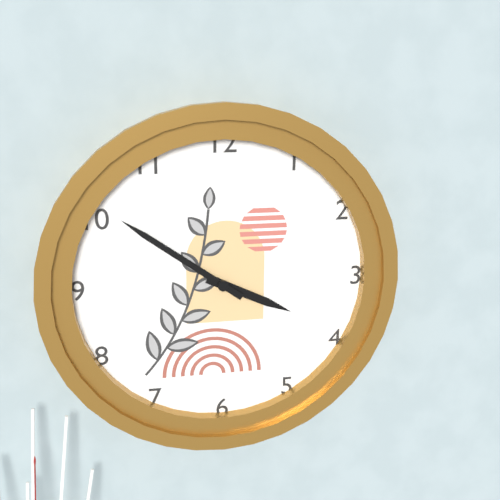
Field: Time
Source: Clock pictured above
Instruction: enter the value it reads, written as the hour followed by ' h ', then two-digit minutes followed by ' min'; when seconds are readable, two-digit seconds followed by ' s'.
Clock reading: 3 h 51 min
